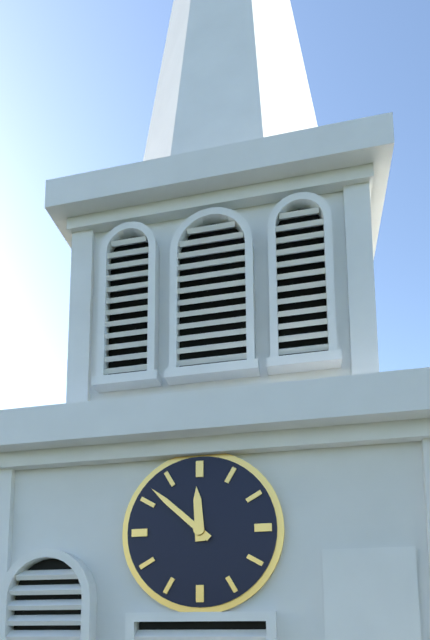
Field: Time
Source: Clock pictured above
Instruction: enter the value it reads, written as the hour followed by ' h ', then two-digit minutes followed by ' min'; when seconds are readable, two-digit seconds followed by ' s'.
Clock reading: 11 h 52 min
